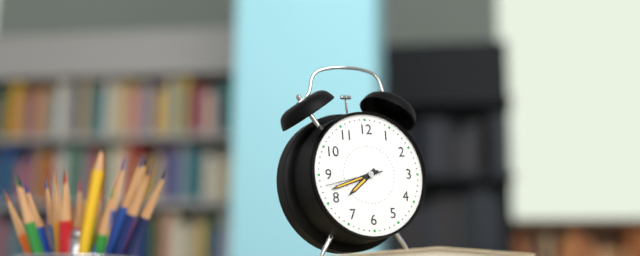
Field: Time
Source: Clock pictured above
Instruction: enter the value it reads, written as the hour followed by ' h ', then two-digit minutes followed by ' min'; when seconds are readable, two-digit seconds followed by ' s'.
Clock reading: 7 h 42 min 43 s
